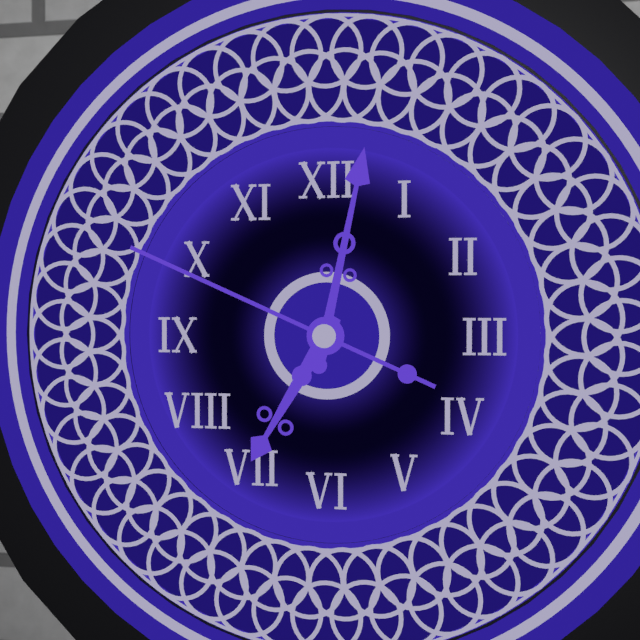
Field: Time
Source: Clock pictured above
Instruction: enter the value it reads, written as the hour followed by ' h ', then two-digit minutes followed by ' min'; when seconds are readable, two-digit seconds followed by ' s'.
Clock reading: 7 h 02 min 49 s
